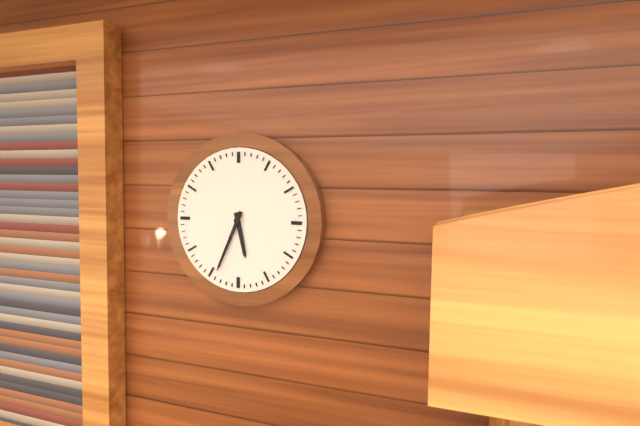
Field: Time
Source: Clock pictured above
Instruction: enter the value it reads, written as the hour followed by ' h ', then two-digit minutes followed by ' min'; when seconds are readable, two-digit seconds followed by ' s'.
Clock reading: 5 h 34 min
